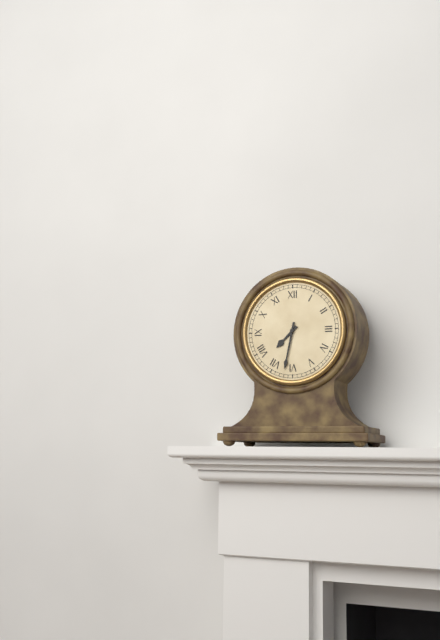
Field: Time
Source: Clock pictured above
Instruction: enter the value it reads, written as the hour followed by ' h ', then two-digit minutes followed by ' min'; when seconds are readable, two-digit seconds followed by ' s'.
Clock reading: 7 h 32 min
